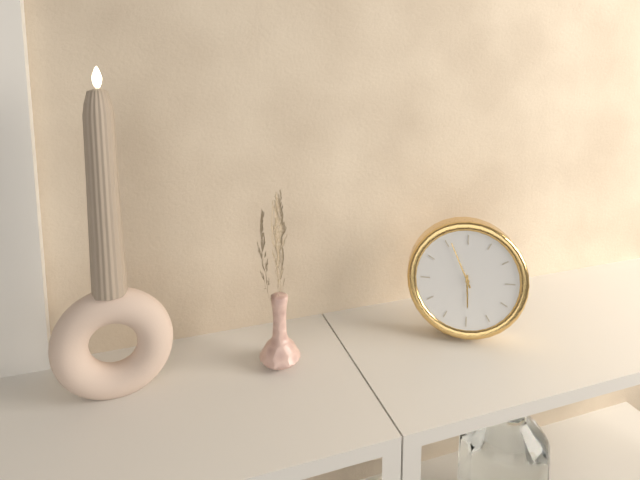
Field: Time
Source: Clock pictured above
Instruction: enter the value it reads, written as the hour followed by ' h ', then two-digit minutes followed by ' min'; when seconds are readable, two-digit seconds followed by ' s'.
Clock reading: 5 h 56 min
